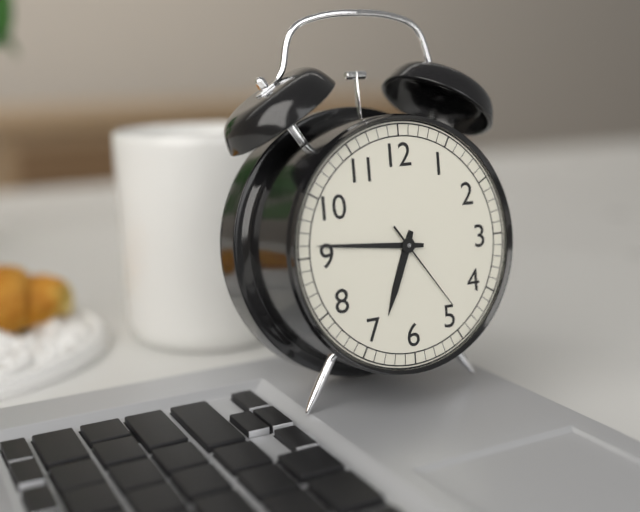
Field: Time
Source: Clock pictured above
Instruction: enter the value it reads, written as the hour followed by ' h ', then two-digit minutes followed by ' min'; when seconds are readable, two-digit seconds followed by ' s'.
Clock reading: 6 h 46 min 24 s
